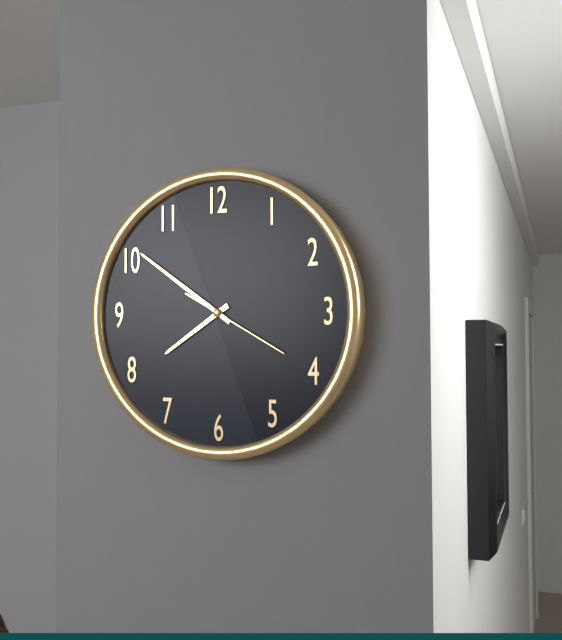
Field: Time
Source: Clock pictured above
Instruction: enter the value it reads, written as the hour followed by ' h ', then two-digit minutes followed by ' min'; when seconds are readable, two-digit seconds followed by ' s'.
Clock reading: 7 h 51 min 20 s
